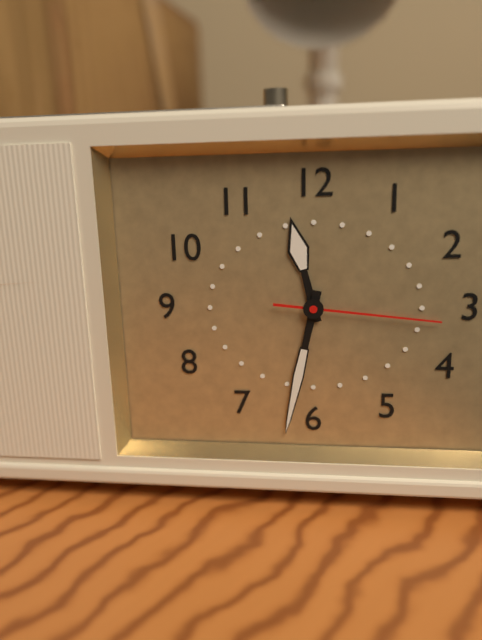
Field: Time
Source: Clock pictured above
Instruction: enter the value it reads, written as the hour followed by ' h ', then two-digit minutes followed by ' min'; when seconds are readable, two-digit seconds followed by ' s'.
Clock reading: 11 h 32 min 16 s
